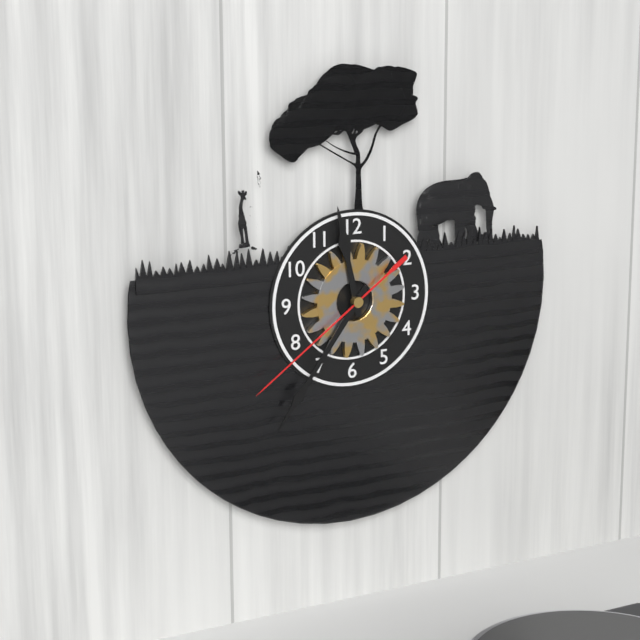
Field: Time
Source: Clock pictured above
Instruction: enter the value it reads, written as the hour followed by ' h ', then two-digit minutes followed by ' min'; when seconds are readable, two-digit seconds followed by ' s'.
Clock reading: 11 h 36 min 39 s
